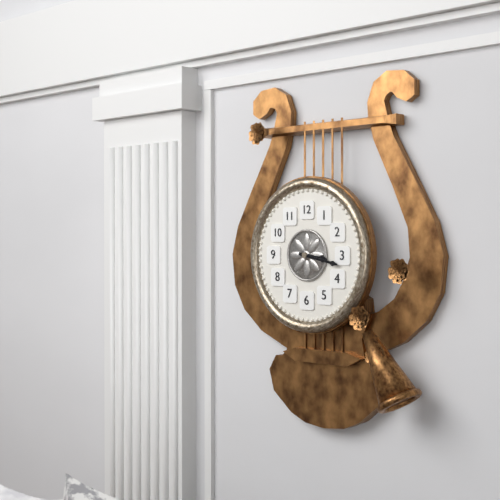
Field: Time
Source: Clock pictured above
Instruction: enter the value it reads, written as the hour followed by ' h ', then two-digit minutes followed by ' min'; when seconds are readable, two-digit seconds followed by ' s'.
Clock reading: 3 h 17 min
